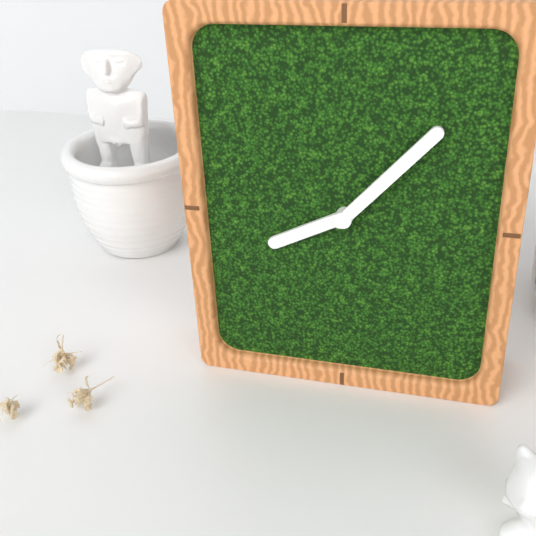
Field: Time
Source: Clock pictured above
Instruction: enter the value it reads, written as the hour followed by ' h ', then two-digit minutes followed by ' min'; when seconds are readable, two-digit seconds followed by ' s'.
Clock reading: 8 h 07 min
